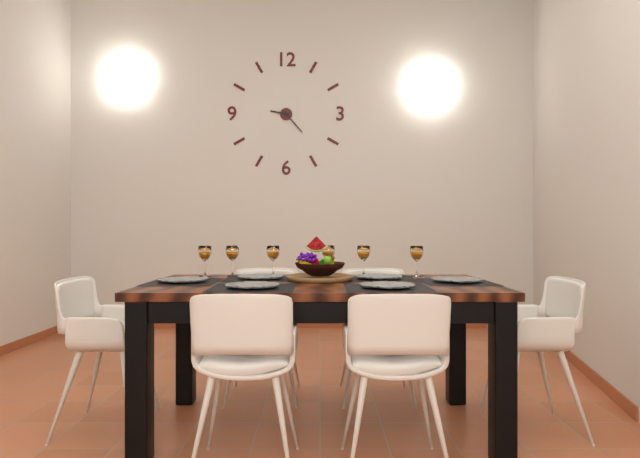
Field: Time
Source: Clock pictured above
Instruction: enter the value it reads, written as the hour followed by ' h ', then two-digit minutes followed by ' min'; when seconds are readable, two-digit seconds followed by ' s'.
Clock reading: 9 h 23 min
